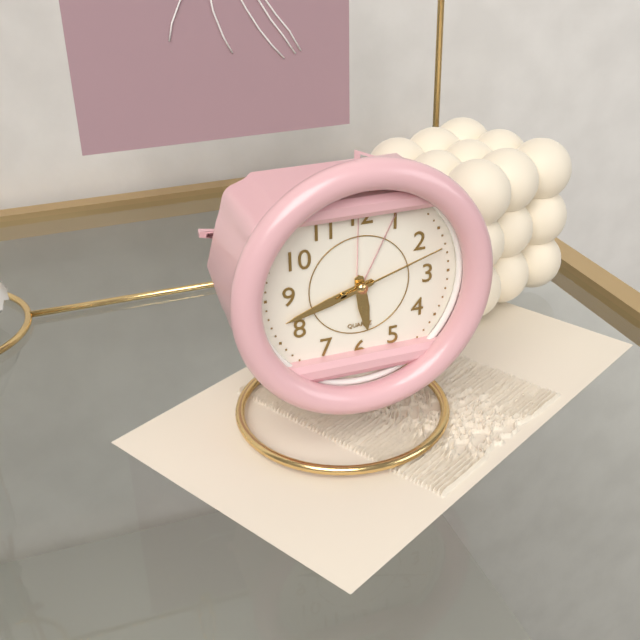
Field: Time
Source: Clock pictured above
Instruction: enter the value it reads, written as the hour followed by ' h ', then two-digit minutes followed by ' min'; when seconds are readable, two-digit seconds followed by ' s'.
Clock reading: 5 h 42 min 12 s
